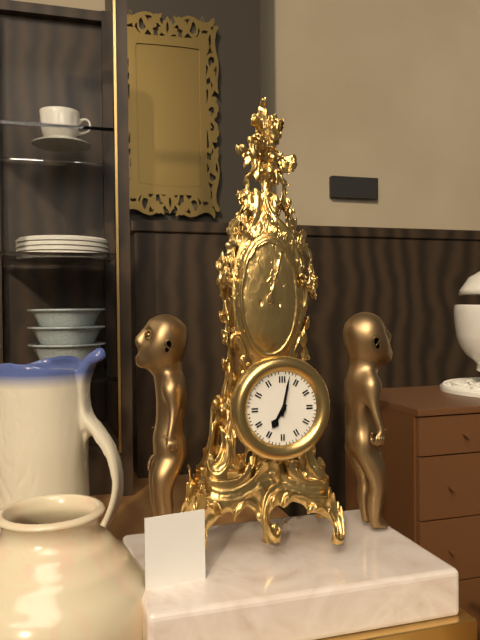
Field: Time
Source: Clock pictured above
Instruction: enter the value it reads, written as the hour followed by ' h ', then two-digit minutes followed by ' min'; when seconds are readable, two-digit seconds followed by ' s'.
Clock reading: 7 h 02 min
